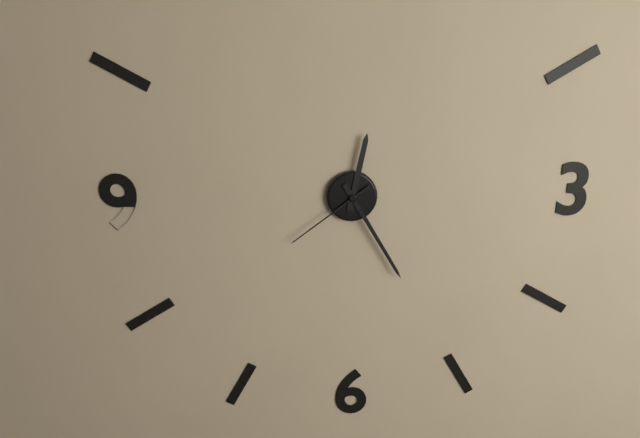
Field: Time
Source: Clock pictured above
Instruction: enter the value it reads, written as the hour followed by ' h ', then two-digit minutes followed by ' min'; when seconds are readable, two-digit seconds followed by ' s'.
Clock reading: 12 h 25 min 39 s
